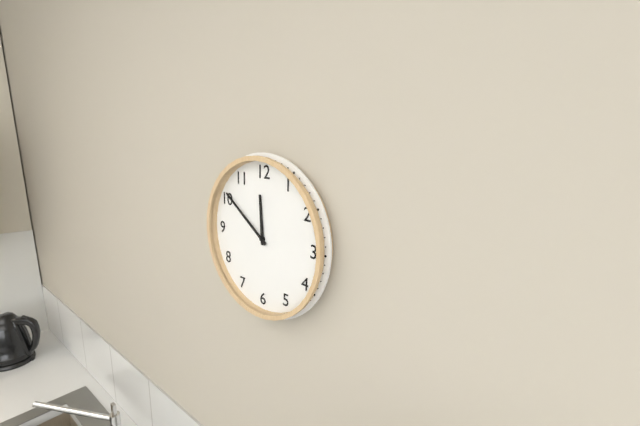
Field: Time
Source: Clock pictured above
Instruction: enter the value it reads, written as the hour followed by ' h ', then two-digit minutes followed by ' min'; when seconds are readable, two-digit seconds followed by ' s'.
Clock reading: 11 h 51 min
